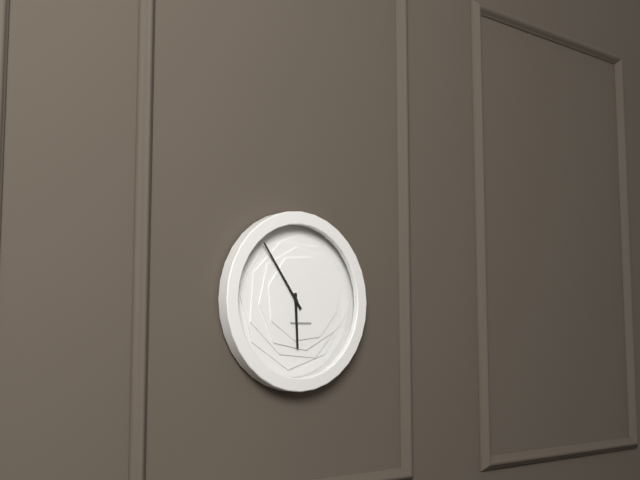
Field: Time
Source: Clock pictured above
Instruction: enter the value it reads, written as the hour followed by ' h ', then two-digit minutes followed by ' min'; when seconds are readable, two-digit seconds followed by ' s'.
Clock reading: 5 h 54 min
